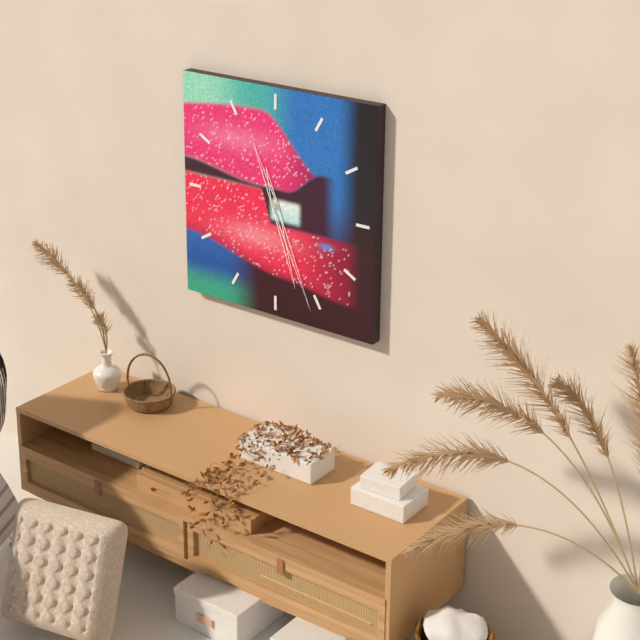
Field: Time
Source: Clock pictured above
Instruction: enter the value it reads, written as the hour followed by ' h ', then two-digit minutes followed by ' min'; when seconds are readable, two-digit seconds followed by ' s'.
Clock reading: 5 h 26 min
